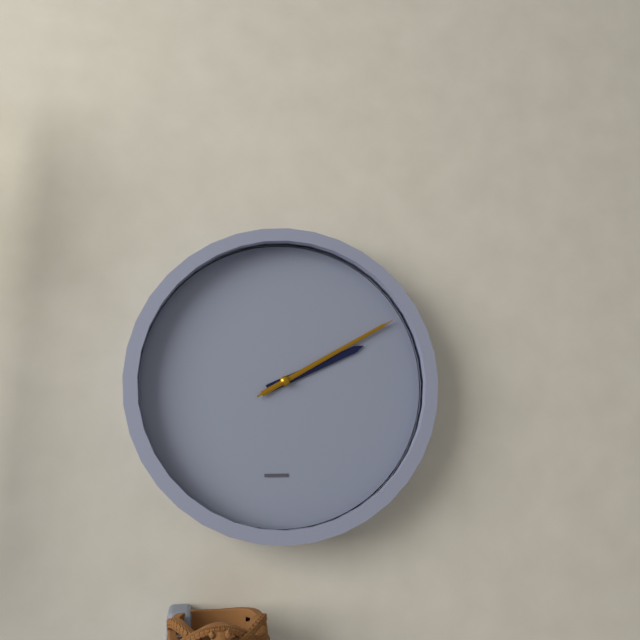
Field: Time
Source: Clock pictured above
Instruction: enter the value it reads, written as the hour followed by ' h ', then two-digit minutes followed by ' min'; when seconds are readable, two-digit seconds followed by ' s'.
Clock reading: 2 h 10 min 10 s
